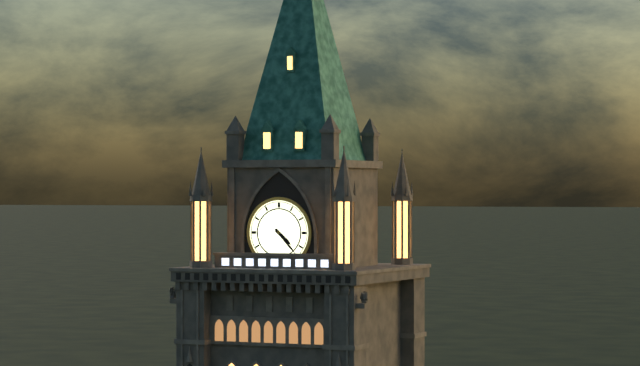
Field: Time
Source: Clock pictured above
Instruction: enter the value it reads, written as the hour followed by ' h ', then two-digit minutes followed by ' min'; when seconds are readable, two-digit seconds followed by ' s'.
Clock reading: 4 h 23 min
